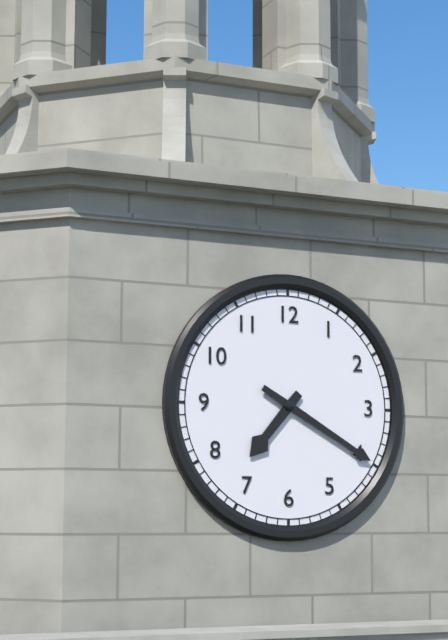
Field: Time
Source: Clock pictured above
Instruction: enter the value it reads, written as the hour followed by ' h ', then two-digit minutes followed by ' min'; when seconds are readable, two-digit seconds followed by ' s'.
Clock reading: 7 h 20 min
